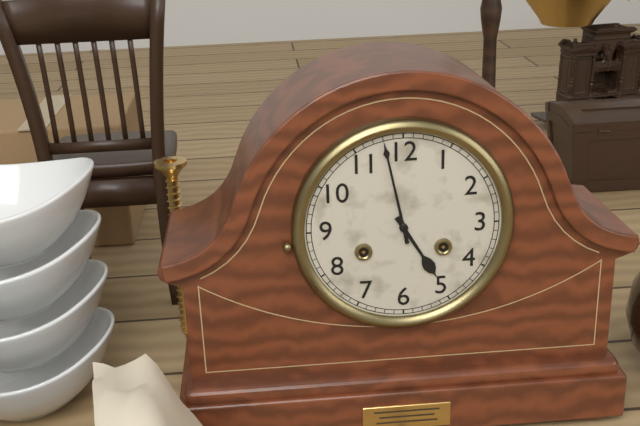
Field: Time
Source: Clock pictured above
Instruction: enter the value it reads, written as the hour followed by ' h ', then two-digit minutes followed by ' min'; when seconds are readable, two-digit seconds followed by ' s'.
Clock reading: 4 h 58 min
